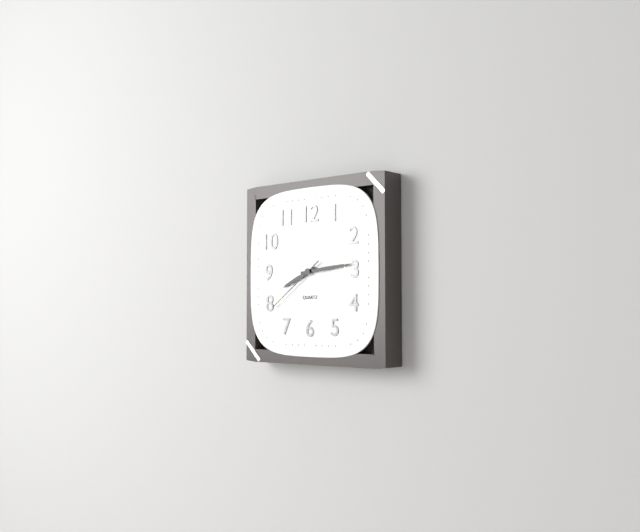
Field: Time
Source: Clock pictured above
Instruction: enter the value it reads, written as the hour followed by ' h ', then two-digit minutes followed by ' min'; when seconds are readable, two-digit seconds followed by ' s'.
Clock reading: 8 h 14 min 39 s
